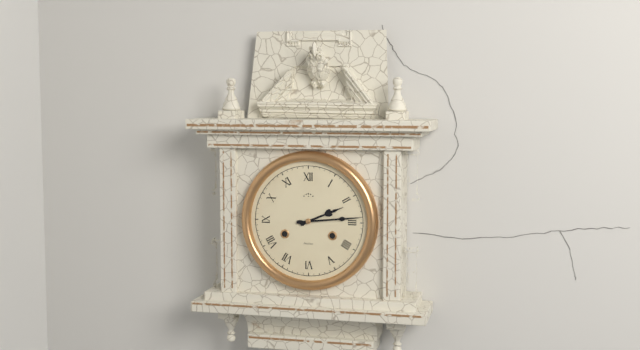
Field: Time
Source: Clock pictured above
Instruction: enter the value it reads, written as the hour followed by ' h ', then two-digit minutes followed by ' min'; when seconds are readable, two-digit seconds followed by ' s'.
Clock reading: 2 h 14 min
